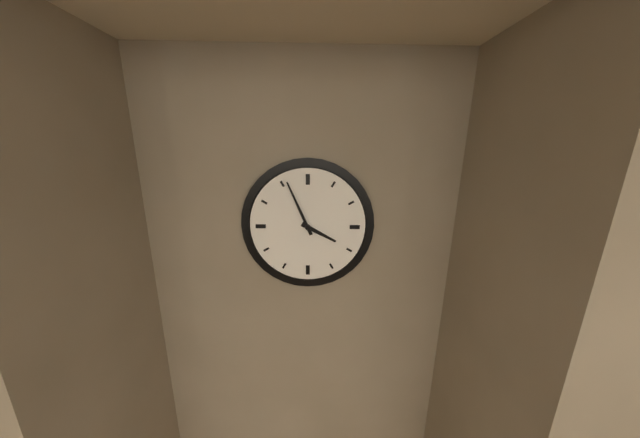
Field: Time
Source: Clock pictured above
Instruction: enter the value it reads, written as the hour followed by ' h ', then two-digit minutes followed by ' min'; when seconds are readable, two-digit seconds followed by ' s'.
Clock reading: 3 h 56 min
